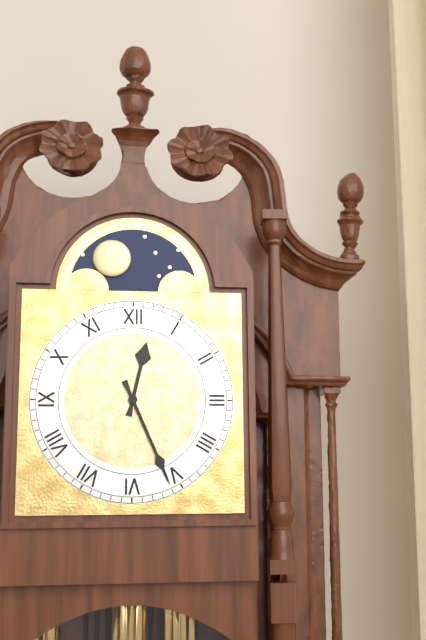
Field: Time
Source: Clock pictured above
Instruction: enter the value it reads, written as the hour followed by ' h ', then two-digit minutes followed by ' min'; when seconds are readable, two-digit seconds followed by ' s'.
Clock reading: 12 h 26 min
